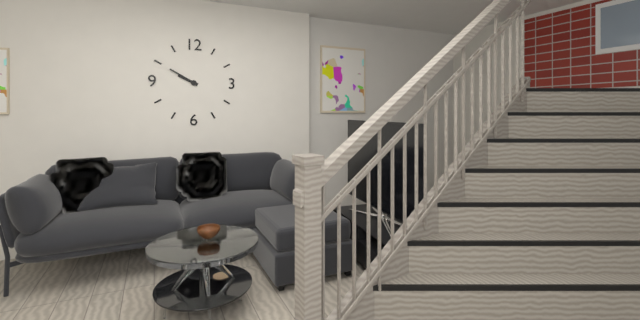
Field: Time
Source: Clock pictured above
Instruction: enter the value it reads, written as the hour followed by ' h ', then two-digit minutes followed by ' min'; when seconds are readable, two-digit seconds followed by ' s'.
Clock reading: 9 h 50 min
